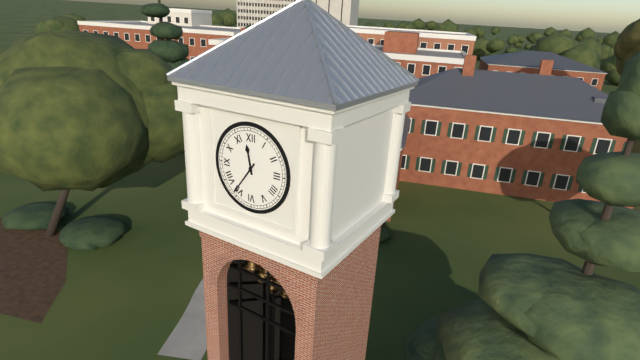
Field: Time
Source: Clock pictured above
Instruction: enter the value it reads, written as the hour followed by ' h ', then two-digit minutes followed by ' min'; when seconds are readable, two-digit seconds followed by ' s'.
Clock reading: 11 h 36 min
